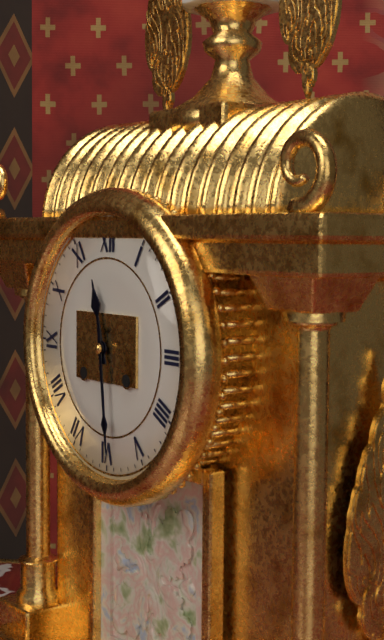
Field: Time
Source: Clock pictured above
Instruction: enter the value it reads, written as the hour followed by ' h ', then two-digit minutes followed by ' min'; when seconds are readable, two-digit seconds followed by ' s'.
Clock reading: 11 h 29 min
